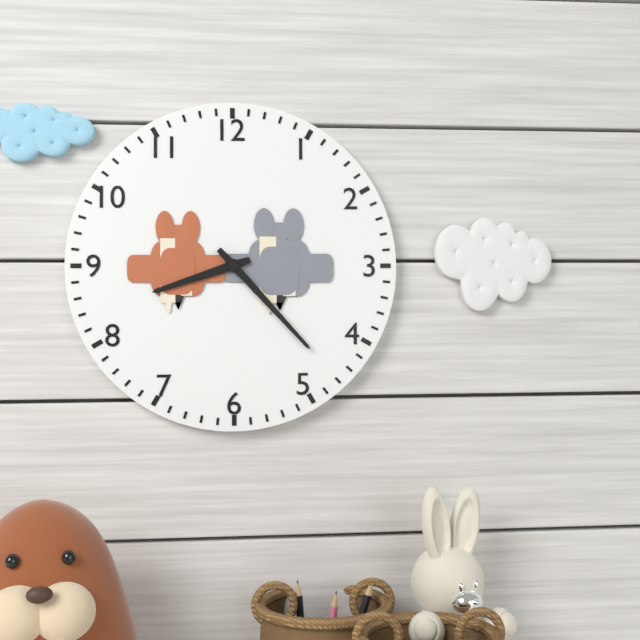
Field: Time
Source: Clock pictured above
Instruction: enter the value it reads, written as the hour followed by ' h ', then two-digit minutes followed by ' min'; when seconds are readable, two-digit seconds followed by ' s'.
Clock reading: 8 h 23 min
